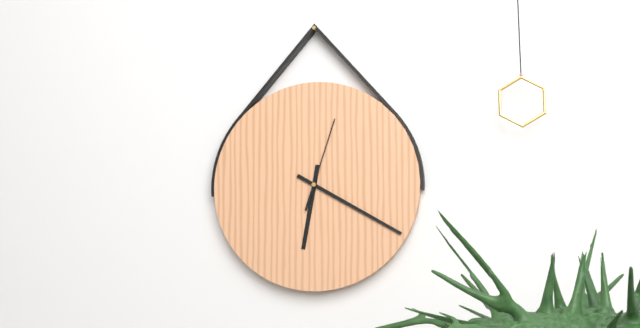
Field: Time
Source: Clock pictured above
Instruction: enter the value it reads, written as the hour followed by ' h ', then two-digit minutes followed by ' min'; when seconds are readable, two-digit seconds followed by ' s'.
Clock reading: 6 h 20 min 03 s
